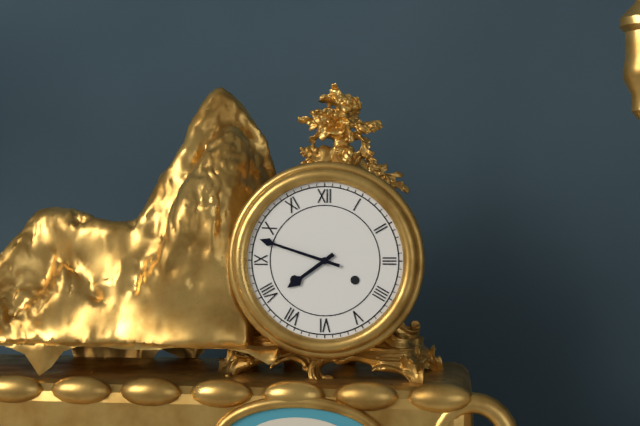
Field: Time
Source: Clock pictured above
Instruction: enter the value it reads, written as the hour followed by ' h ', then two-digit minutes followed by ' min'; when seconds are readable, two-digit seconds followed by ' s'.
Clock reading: 7 h 48 min
